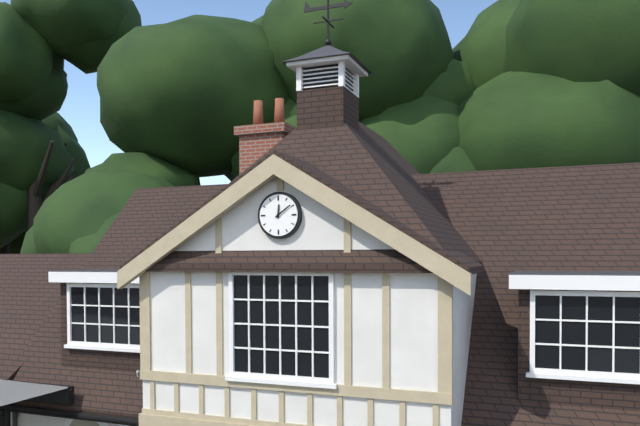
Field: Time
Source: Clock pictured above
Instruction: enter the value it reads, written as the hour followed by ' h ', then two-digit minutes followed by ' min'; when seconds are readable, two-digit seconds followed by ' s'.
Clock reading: 12 h 09 min
